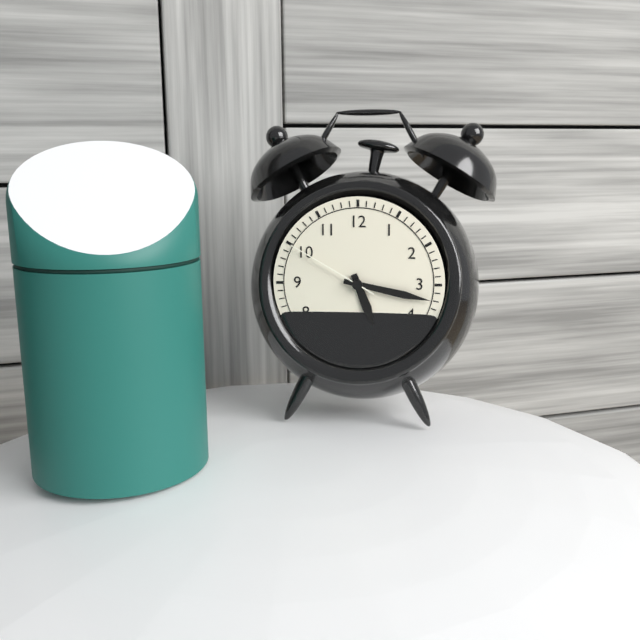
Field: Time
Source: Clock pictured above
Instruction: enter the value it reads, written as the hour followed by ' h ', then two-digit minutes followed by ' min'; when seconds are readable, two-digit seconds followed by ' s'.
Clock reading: 5 h 17 min 50 s
